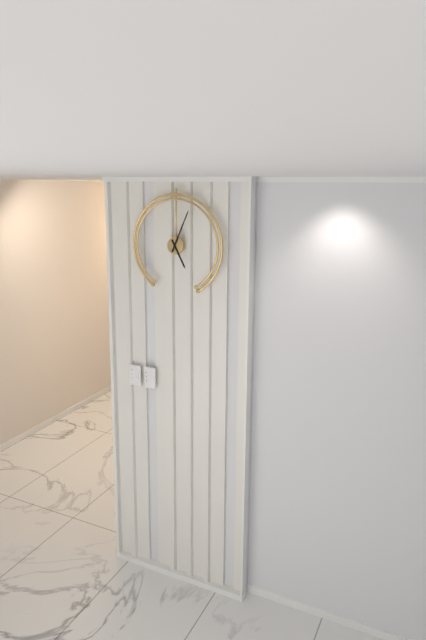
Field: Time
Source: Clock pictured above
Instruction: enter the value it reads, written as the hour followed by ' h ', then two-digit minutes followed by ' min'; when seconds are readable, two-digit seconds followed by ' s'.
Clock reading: 5 h 04 min
